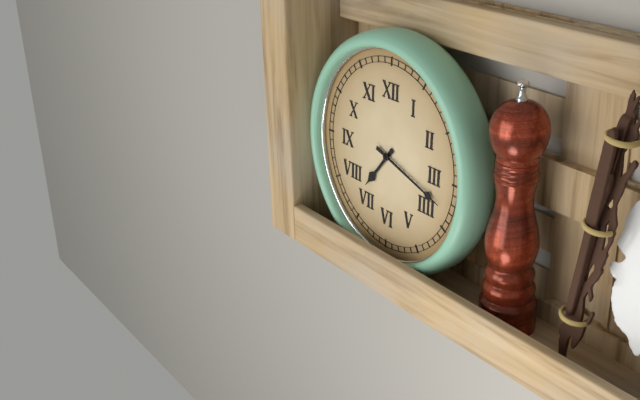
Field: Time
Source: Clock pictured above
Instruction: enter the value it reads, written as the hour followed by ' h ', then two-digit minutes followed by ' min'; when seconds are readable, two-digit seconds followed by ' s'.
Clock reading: 7 h 18 min
